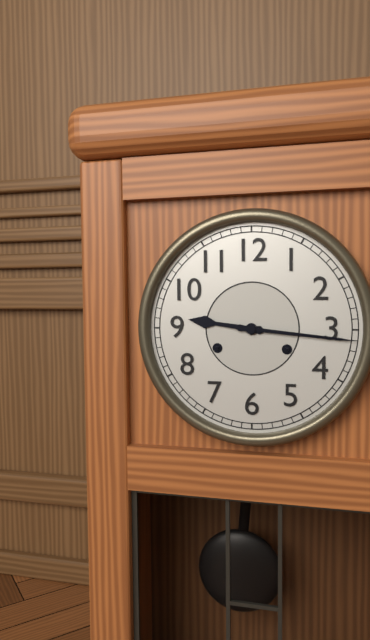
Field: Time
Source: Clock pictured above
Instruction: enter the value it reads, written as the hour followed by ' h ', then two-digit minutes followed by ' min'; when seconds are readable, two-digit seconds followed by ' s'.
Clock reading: 9 h 16 min
